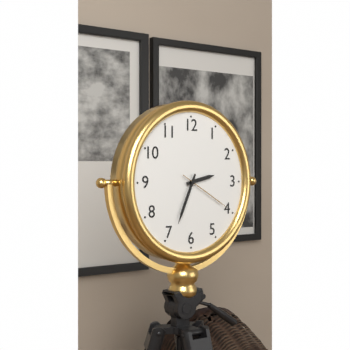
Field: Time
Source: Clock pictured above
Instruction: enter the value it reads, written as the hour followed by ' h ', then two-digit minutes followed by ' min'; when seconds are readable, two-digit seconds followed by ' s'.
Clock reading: 2 h 34 min 20 s
